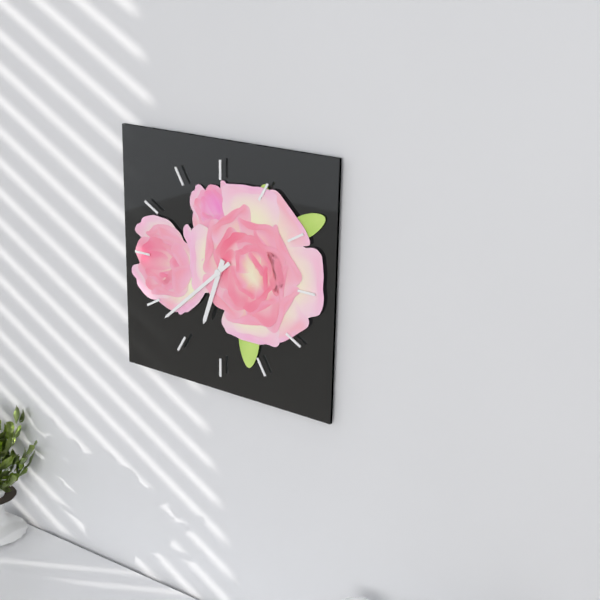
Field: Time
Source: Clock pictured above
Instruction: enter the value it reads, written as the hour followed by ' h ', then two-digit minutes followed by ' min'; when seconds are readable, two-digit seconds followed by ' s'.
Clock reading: 6 h 38 min
